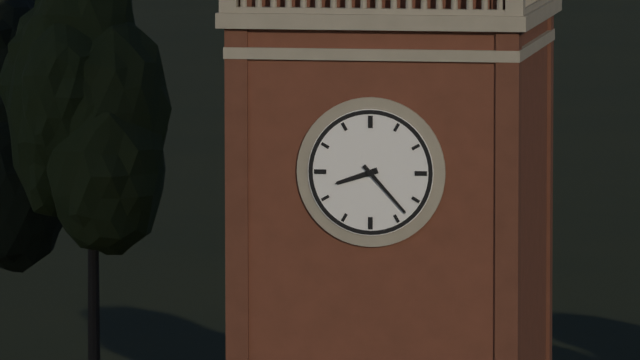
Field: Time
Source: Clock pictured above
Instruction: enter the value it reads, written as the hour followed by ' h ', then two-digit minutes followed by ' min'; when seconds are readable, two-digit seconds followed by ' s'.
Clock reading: 8 h 23 min
